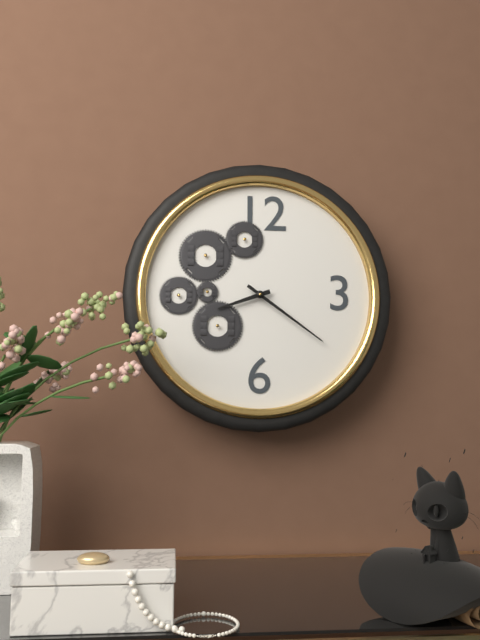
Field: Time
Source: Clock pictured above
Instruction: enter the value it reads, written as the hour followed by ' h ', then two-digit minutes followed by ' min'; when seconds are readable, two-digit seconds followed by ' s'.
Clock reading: 8 h 21 min
